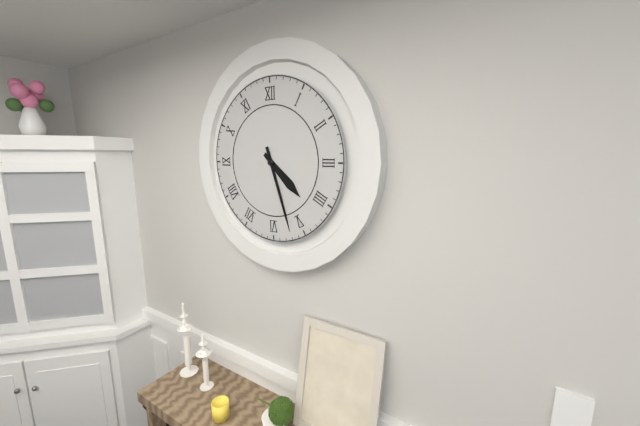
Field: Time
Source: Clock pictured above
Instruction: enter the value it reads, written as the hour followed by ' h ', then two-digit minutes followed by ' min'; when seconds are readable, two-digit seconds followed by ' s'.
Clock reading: 4 h 27 min
